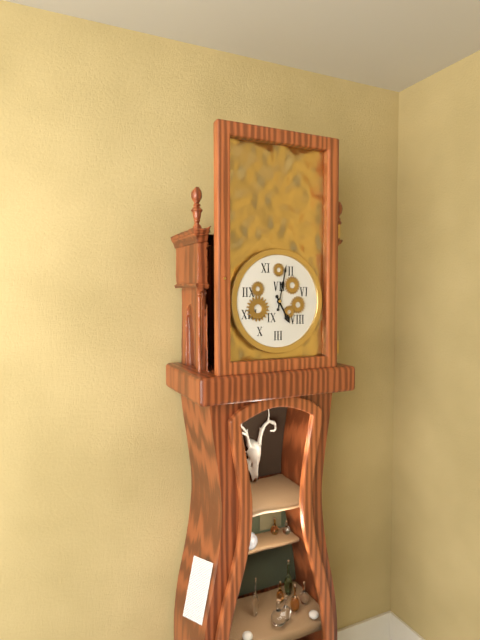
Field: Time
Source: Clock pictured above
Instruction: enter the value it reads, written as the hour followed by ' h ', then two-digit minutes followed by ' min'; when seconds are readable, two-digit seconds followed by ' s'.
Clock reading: 5 h 02 min
